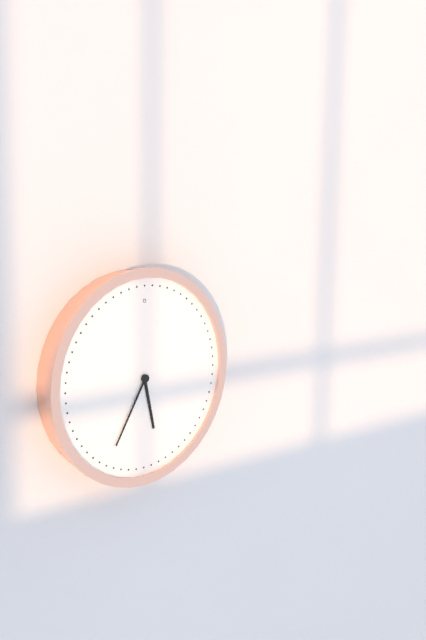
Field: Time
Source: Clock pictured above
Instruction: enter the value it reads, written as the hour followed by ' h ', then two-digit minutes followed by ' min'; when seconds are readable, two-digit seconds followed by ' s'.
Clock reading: 5 h 35 min
